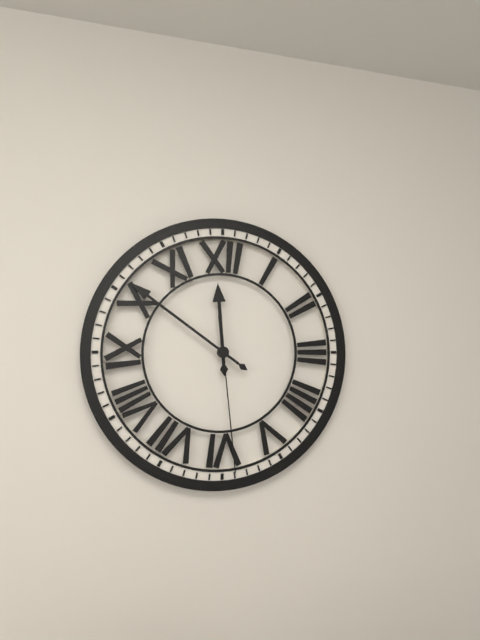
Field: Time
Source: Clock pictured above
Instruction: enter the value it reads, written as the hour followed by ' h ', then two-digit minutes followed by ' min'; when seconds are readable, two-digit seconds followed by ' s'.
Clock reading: 11 h 51 min 29 s
